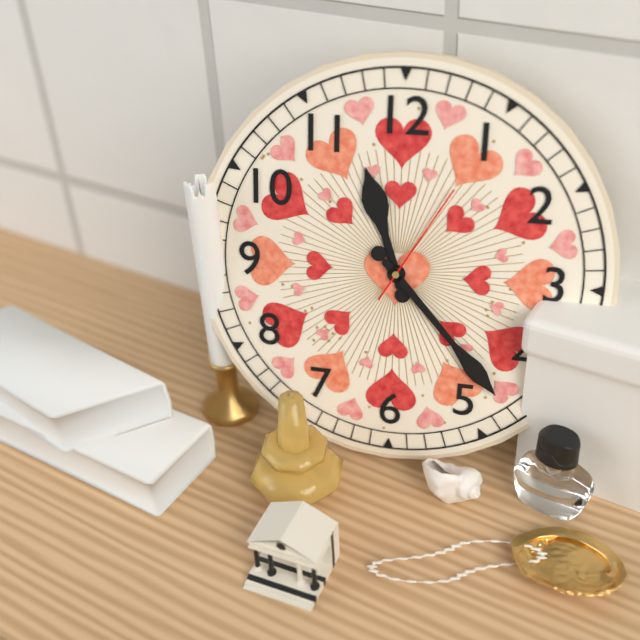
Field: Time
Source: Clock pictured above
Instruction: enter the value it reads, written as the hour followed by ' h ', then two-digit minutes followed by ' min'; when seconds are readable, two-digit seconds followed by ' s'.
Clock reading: 11 h 23 min 05 s
